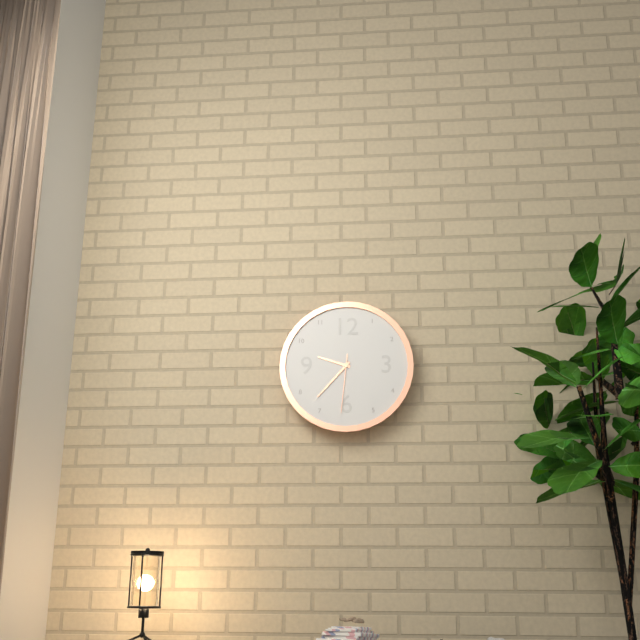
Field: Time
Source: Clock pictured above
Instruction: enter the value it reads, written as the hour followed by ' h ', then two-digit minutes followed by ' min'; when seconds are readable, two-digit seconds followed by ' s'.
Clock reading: 9 h 37 min 31 s
